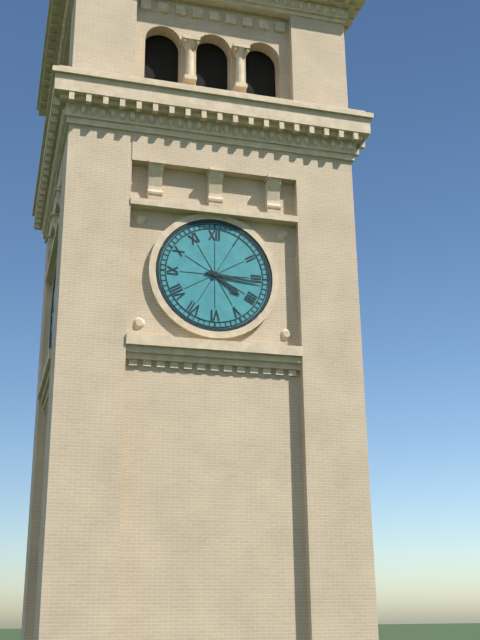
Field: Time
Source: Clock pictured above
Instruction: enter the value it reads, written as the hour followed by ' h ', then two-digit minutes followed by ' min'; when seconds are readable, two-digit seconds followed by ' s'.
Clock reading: 4 h 16 min
